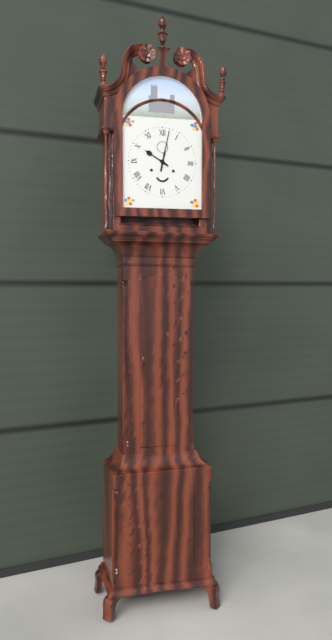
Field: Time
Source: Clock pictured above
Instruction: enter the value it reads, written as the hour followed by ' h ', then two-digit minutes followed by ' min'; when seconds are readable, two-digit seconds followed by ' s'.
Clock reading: 10 h 02 min
